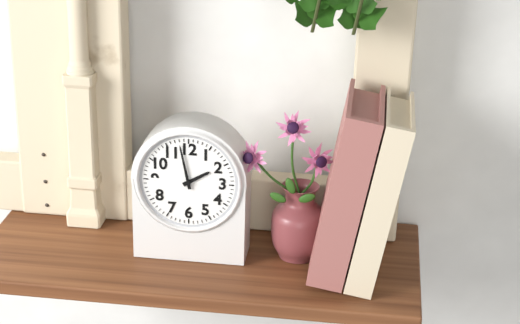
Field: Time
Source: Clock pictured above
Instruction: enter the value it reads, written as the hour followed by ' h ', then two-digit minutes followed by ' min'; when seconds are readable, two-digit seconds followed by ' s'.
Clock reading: 1 h 58 min
